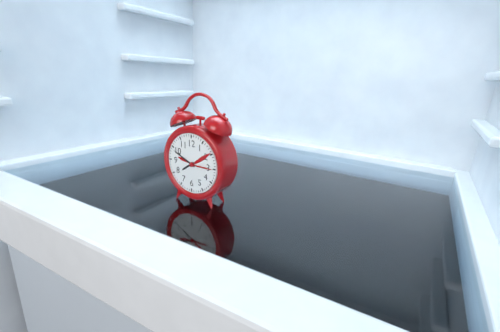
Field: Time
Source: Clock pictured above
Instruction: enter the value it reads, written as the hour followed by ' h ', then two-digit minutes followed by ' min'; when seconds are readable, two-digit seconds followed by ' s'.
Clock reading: 7 h 49 min
